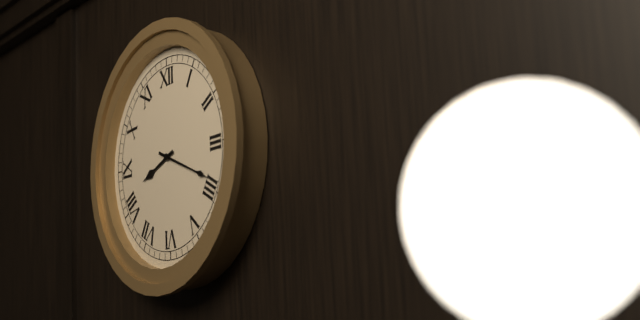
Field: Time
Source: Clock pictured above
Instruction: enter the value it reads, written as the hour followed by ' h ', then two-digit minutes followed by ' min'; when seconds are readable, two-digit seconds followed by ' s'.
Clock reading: 8 h 19 min
